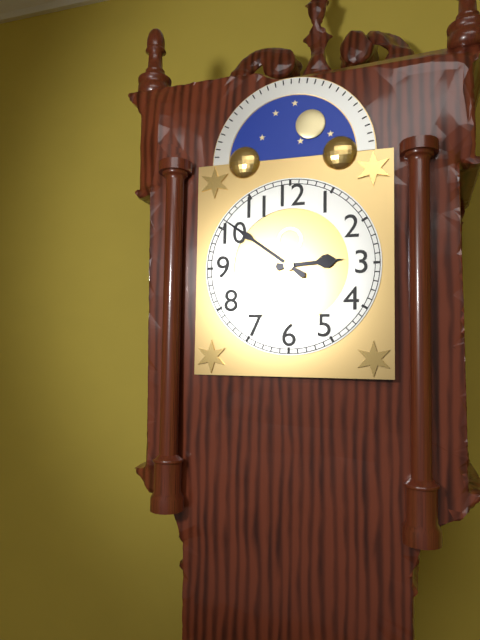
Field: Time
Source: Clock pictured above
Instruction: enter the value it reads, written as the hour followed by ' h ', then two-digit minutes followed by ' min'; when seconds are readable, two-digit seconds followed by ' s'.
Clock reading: 2 h 51 min
